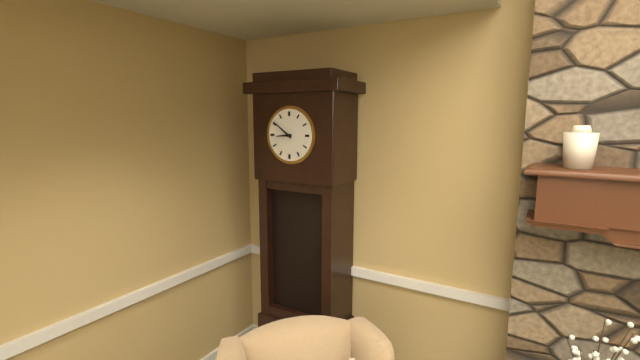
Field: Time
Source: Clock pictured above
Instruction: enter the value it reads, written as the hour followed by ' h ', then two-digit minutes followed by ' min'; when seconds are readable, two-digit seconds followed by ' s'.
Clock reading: 8 h 51 min
